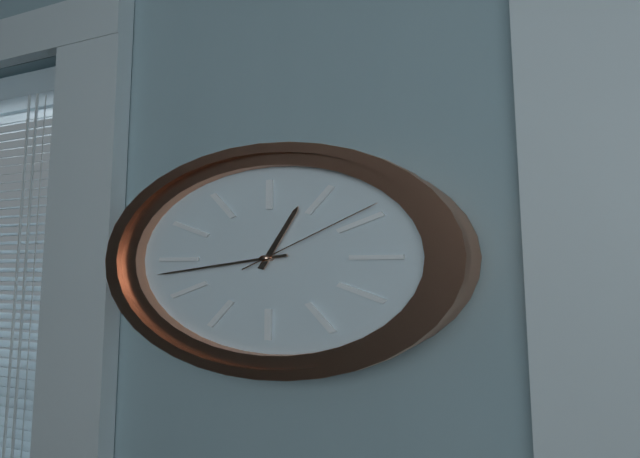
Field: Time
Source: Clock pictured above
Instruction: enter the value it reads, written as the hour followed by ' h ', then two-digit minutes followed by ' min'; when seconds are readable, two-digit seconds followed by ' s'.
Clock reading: 12 h 43 min 09 s
